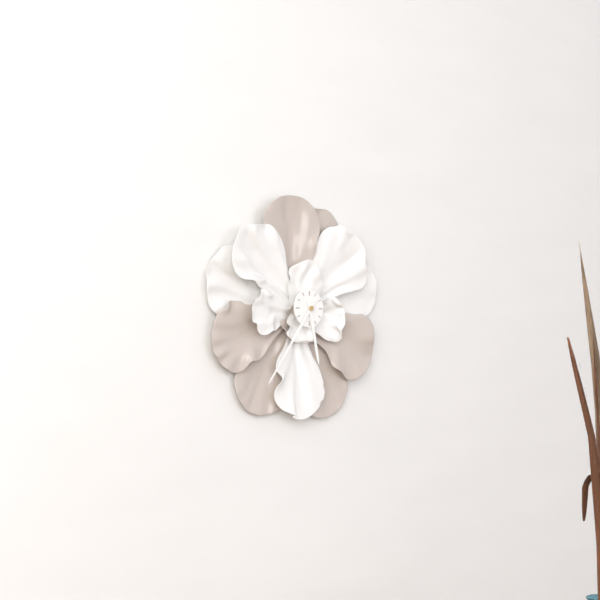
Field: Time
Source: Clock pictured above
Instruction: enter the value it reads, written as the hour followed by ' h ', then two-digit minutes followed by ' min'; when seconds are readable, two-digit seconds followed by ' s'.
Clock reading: 5 h 36 min
